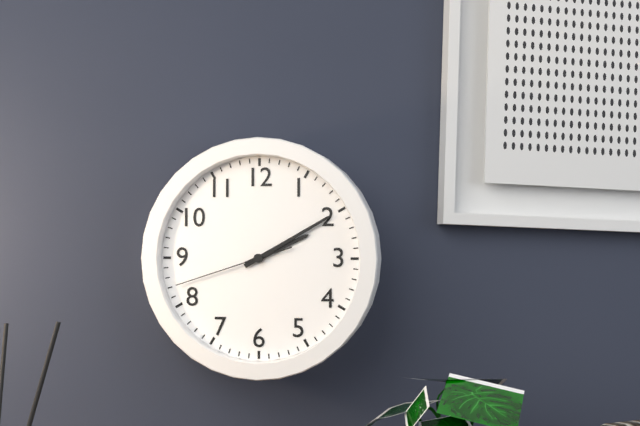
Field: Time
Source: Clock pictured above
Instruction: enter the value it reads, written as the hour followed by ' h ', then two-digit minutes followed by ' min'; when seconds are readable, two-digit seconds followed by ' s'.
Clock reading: 2 h 10 min 42 s
